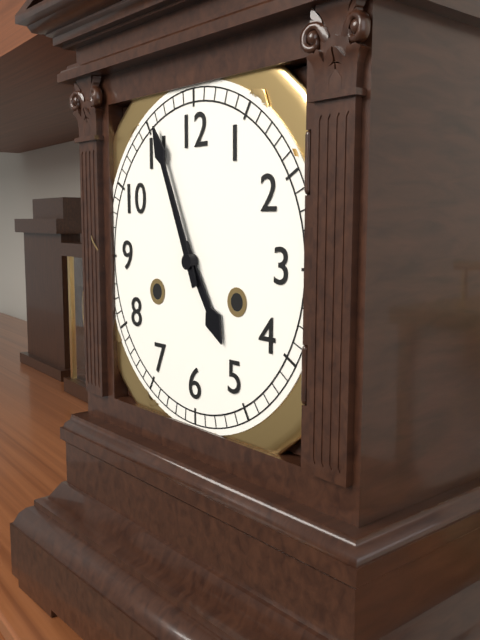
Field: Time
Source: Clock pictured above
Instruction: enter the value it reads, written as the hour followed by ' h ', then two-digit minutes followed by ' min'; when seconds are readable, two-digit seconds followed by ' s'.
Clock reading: 4 h 56 min
